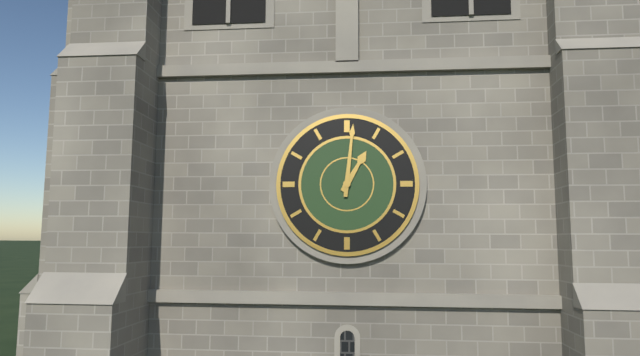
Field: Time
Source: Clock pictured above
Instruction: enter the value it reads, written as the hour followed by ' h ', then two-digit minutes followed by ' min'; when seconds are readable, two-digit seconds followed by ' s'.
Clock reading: 1 h 01 min
